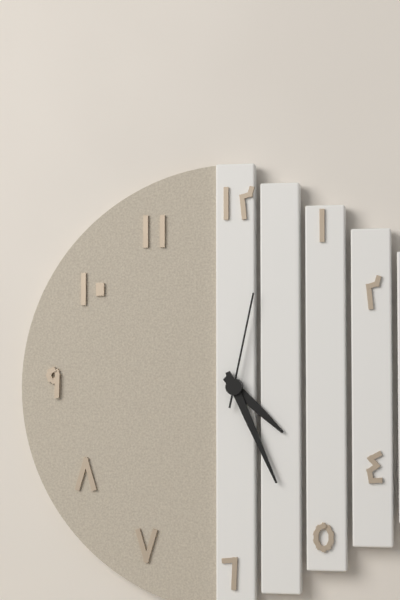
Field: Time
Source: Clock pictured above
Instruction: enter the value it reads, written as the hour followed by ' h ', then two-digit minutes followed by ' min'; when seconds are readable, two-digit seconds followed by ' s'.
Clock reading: 4 h 26 min 02 s
